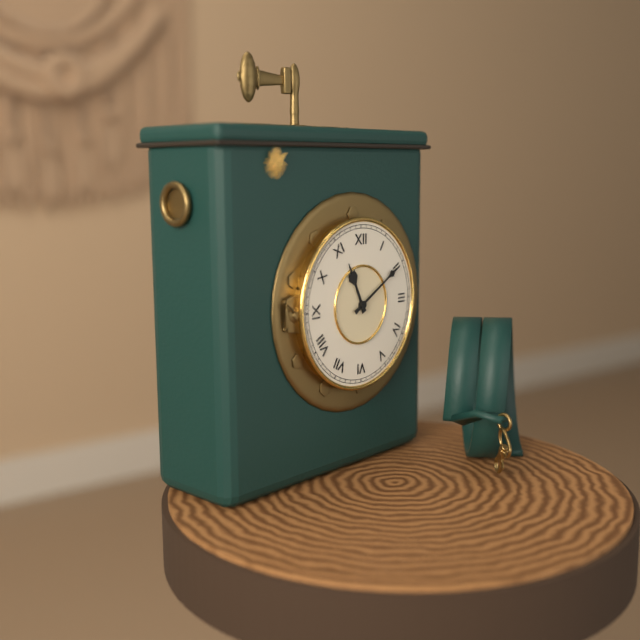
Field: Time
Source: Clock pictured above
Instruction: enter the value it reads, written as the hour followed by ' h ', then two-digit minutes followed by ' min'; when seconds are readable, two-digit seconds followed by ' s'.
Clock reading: 11 h 10 min
